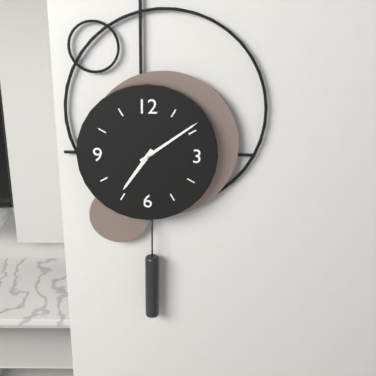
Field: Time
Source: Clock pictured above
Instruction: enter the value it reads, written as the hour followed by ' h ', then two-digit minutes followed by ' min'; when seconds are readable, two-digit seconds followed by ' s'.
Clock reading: 7 h 09 min
